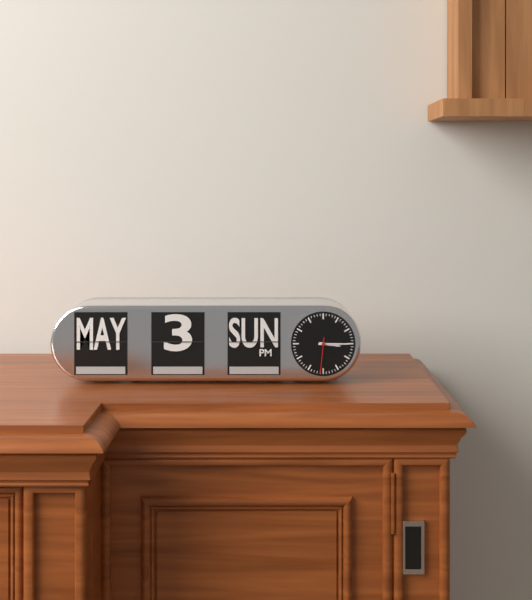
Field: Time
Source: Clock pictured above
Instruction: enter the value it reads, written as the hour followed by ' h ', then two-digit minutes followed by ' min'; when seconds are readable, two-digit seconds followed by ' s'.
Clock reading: 3 h 15 min
